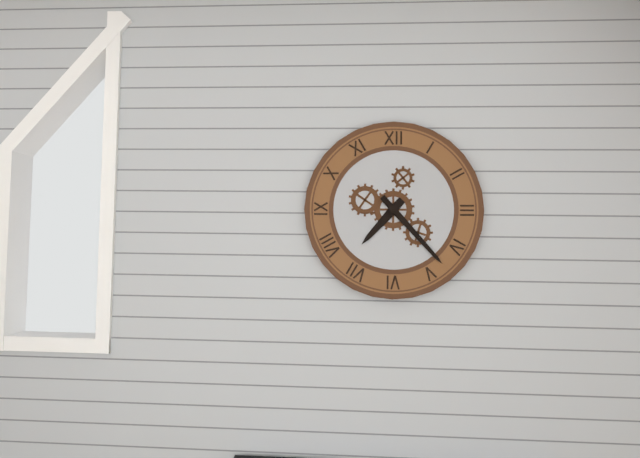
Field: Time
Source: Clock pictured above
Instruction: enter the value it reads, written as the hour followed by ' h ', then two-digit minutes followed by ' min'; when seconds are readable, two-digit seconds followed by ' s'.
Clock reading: 7 h 23 min
